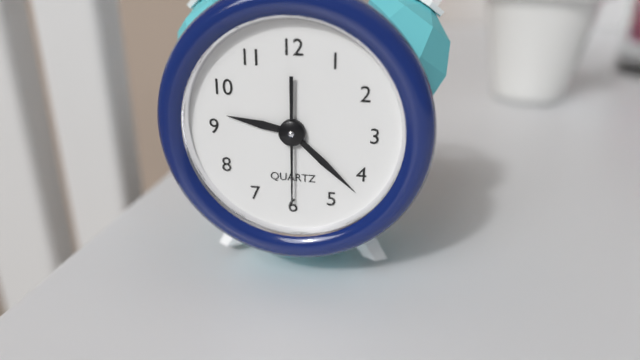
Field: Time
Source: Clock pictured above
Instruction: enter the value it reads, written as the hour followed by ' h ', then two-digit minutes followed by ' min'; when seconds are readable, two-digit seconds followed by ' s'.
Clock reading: 9 h 22 min 30 s
